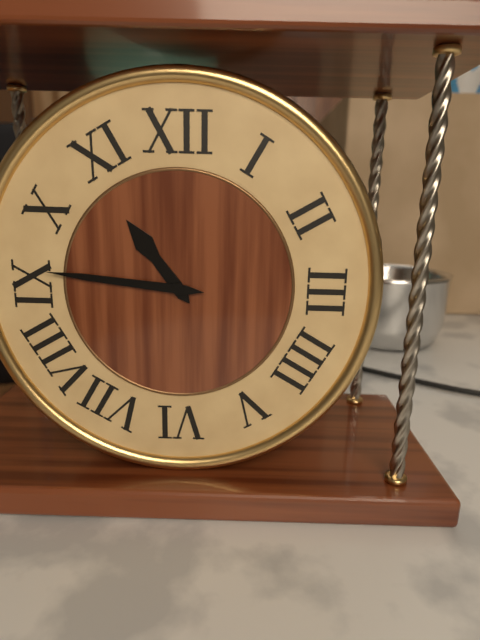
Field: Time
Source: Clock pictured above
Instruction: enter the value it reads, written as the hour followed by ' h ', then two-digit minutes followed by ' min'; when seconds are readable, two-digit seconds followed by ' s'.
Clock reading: 10 h 46 min
